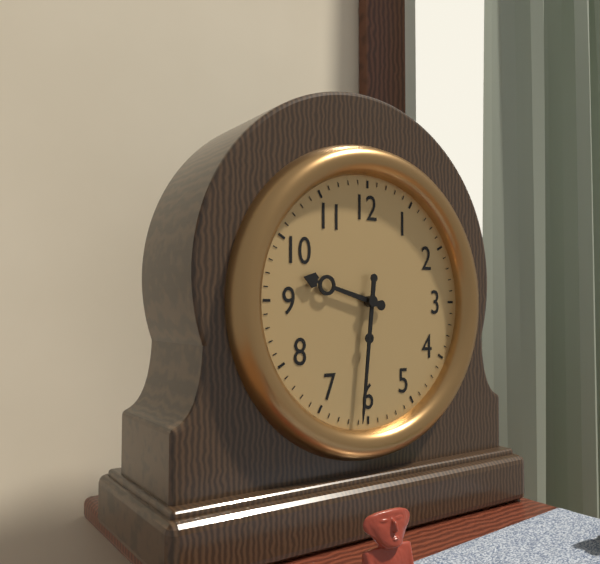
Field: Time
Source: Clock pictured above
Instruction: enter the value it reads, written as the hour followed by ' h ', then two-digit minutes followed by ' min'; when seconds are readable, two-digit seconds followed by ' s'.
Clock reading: 9 h 31 min
